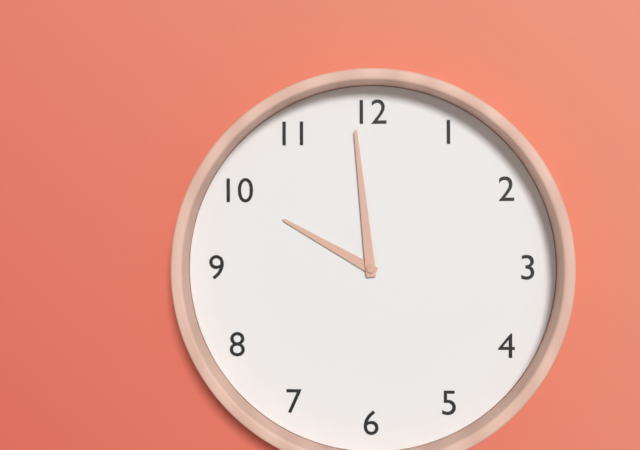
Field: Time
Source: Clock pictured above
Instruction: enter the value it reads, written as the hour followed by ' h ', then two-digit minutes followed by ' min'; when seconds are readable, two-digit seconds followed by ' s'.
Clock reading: 9 h 59 min
